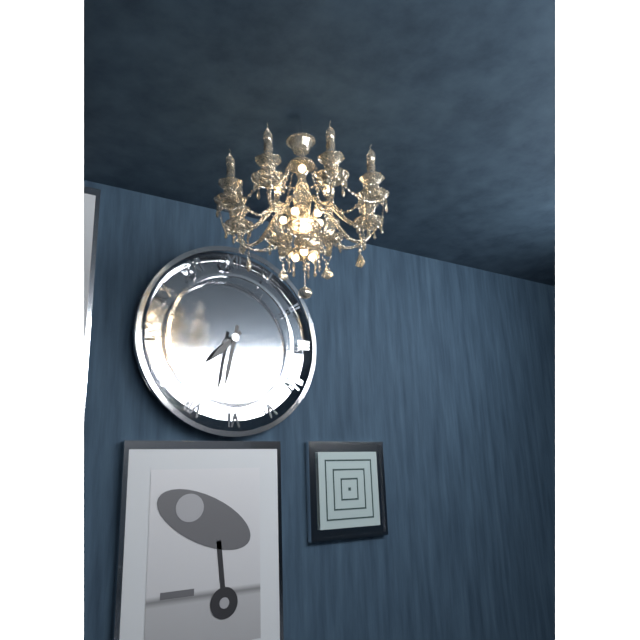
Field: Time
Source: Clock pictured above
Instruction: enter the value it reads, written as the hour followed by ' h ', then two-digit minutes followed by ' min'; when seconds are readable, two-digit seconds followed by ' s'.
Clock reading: 7 h 32 min
